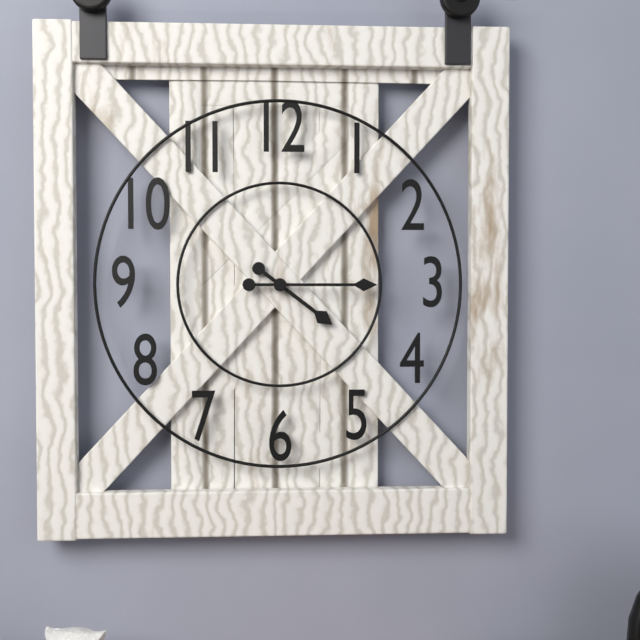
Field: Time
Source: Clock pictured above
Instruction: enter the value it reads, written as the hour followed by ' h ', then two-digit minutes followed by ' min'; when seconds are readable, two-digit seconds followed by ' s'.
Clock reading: 4 h 15 min
